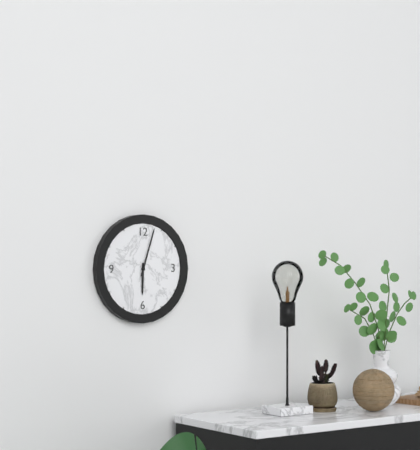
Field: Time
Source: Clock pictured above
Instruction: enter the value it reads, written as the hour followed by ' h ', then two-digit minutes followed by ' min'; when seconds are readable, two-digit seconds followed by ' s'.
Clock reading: 6 h 03 min
